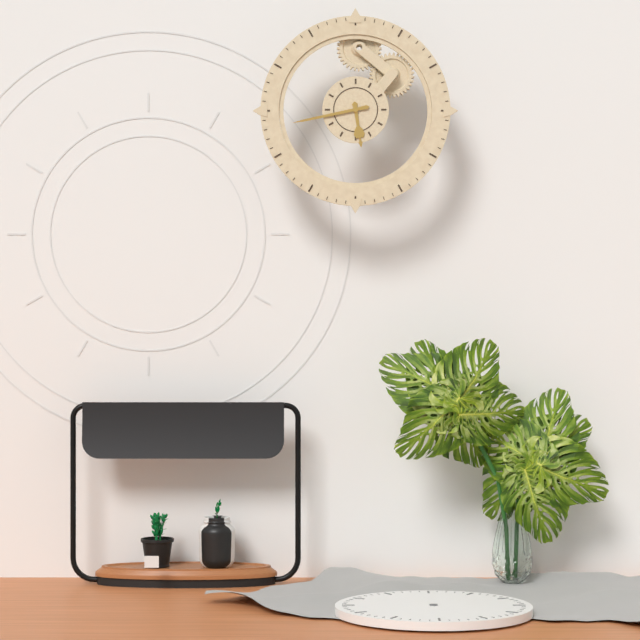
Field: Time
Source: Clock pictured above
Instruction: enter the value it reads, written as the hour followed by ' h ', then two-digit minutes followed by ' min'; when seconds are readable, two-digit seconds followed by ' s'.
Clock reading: 5 h 43 min
